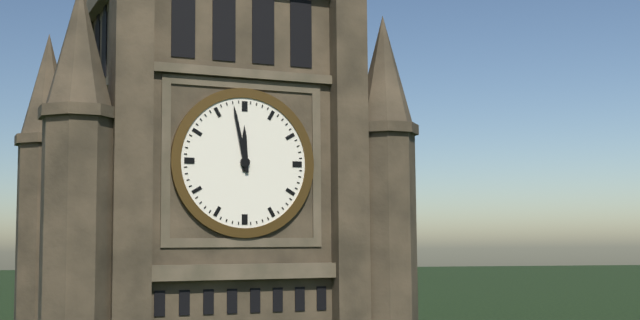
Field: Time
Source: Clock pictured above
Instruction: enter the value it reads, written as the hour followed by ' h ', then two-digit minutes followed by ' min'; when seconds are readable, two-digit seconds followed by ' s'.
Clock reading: 11 h 58 min
